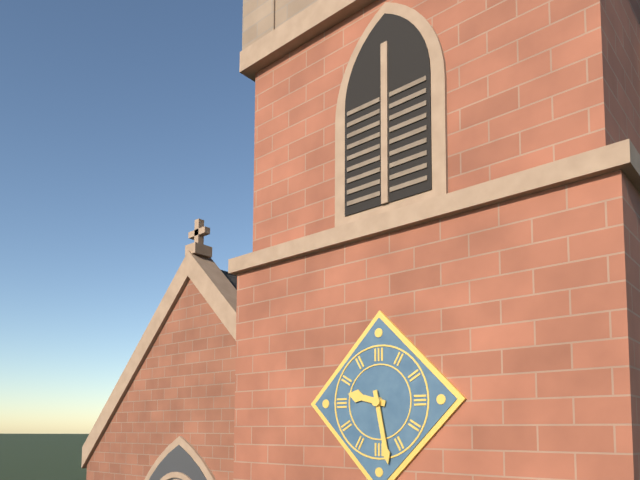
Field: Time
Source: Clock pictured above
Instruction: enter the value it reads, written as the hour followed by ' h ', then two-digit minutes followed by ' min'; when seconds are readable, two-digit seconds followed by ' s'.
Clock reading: 9 h 28 min
